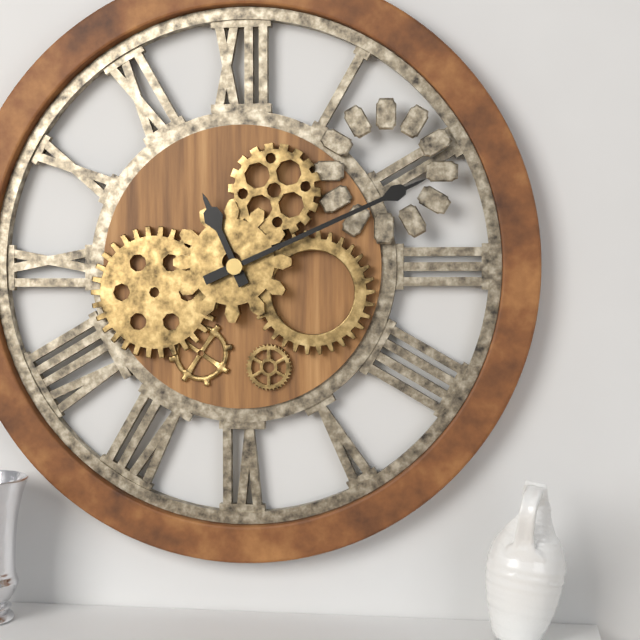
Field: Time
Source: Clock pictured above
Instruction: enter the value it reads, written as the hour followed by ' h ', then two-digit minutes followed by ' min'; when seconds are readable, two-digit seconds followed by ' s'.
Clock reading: 11 h 11 min
